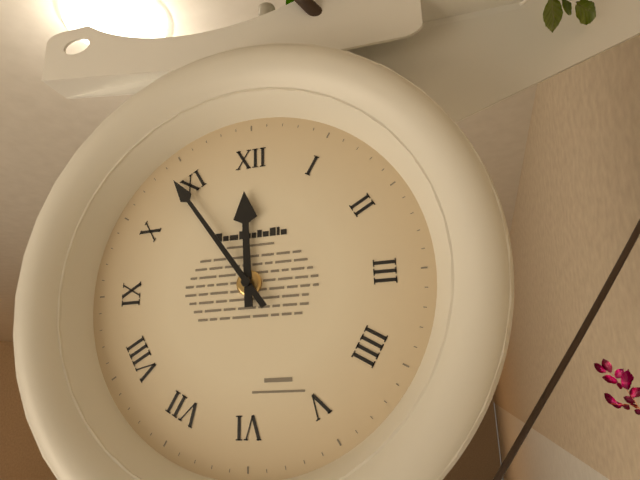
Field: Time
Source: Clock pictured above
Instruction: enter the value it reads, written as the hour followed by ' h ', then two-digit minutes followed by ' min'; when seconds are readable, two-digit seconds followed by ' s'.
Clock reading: 11 h 54 min
